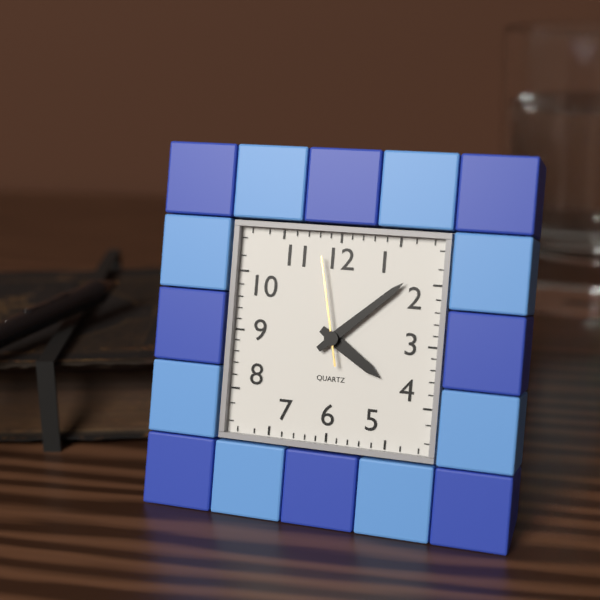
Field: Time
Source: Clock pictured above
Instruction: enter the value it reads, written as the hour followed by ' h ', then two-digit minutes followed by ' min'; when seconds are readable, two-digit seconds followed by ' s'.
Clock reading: 4 h 08 min 58 s
